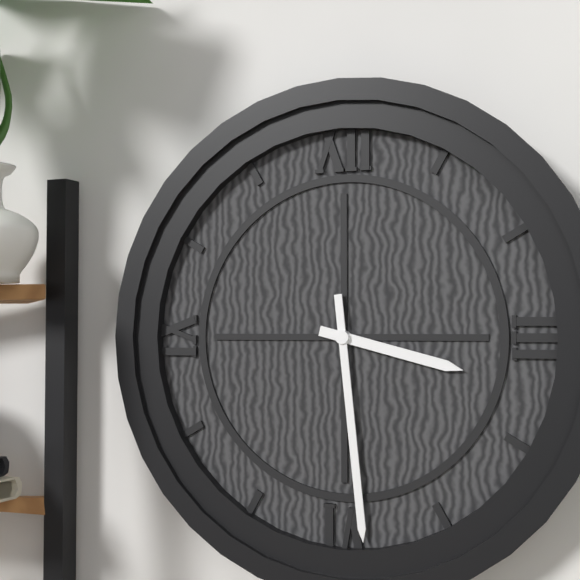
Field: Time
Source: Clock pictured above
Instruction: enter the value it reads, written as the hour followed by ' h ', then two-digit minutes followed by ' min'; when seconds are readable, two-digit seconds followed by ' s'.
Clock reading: 3 h 29 min
